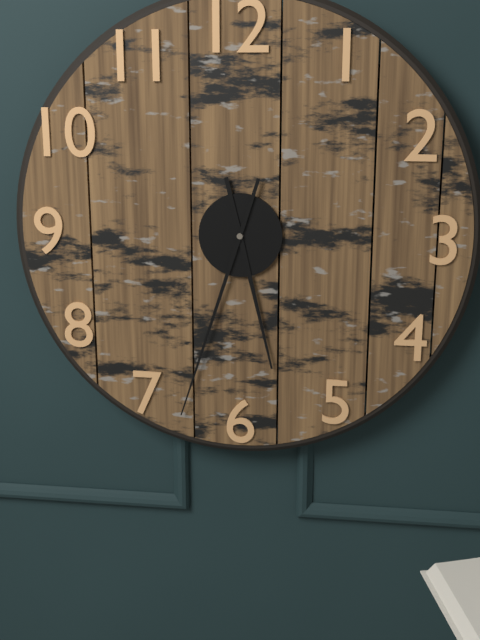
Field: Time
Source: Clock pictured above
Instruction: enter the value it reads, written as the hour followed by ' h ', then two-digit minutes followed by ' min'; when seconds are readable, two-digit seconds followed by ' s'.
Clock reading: 5 h 33 min
